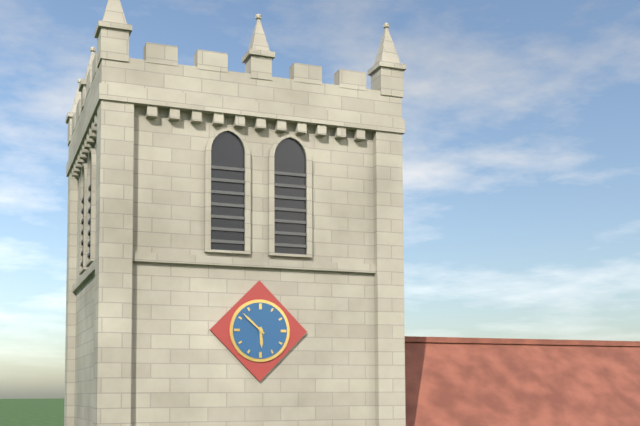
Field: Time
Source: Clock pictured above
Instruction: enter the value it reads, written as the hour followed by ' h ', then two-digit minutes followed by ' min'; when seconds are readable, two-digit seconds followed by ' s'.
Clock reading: 5 h 52 min
